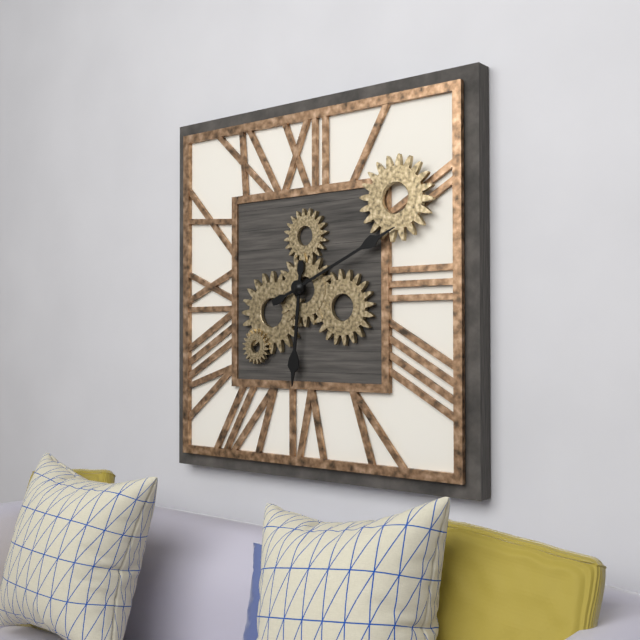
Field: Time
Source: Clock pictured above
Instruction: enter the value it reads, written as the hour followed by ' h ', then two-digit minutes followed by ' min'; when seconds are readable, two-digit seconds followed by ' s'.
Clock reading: 6 h 11 min
